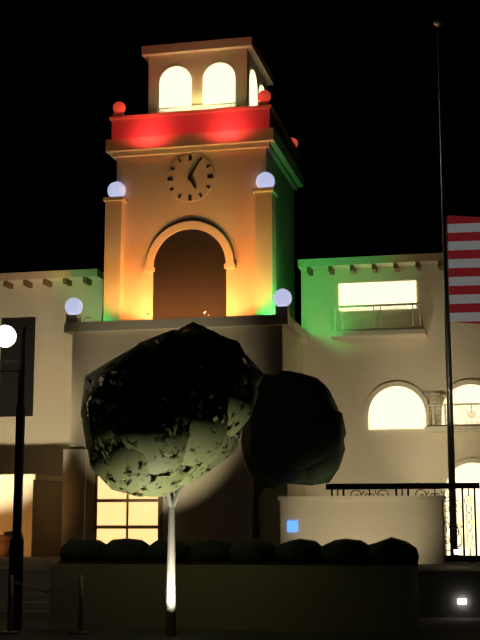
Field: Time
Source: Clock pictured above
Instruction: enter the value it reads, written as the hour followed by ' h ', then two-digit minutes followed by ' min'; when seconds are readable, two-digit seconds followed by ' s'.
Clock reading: 5 h 05 min
